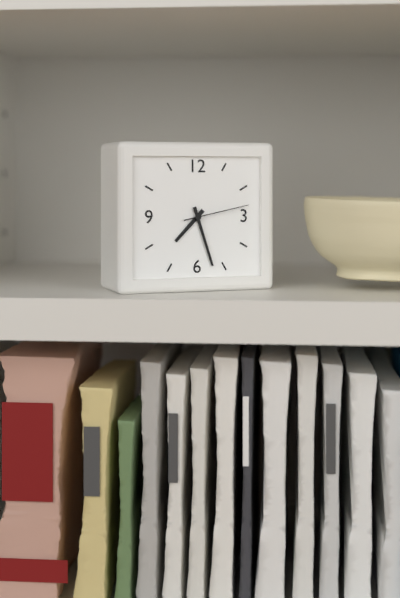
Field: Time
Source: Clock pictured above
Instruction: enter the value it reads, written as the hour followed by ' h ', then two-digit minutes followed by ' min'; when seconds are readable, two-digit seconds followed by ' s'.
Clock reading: 7 h 27 min 13 s
